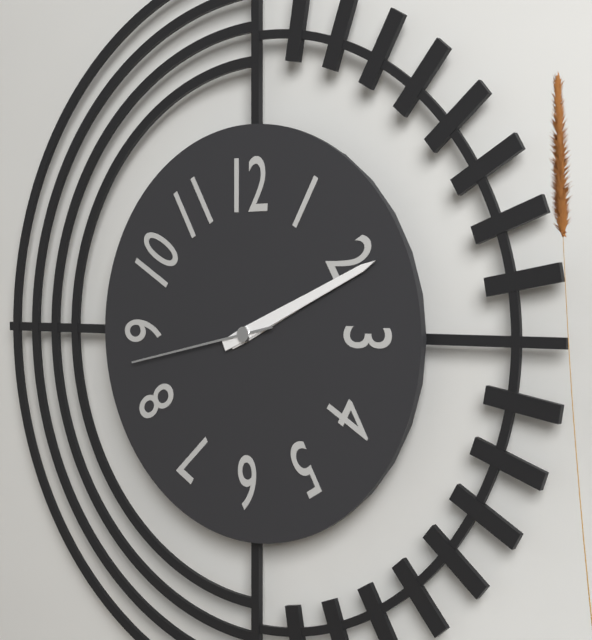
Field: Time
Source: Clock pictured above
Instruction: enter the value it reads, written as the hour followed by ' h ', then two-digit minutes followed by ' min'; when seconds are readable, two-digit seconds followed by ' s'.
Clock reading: 2 h 11 min 43 s
